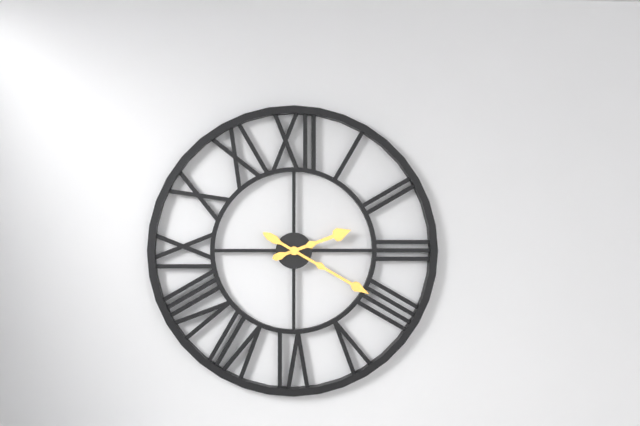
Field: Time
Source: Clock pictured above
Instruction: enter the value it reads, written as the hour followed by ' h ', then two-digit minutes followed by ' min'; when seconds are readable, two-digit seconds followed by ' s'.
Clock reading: 2 h 20 min
